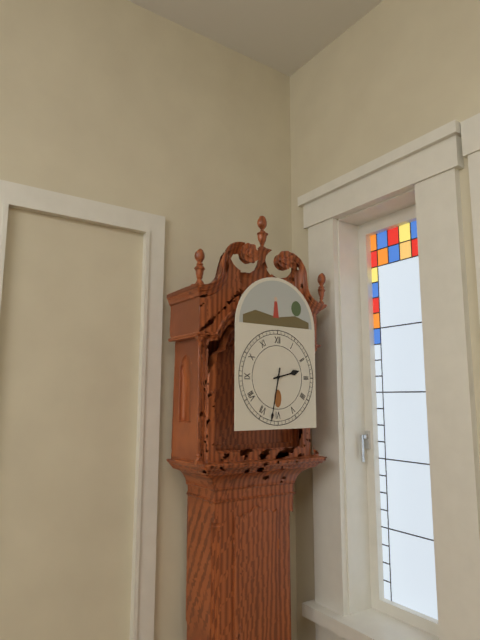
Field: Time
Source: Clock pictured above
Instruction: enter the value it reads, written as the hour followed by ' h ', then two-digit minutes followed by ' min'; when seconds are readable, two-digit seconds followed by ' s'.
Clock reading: 2 h 32 min
